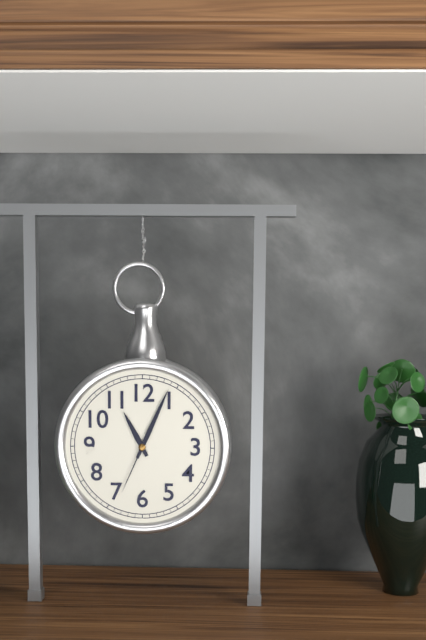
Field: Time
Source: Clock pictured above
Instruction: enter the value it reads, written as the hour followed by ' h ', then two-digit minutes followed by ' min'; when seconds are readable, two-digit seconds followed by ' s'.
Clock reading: 11 h 04 min 34 s
